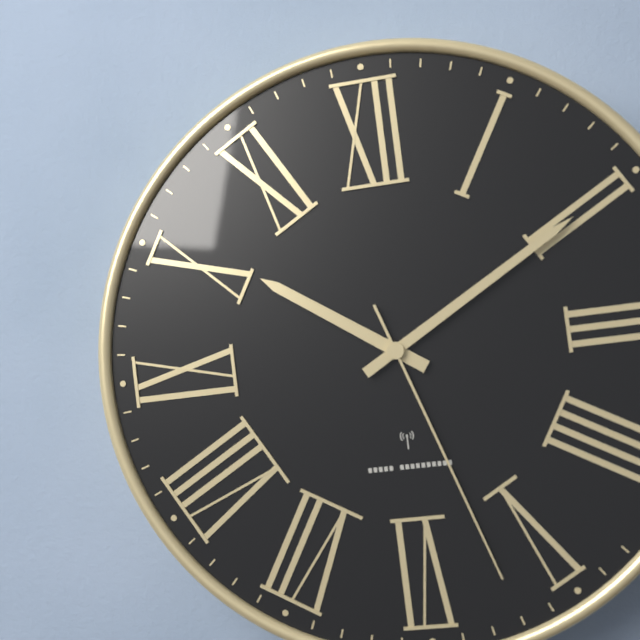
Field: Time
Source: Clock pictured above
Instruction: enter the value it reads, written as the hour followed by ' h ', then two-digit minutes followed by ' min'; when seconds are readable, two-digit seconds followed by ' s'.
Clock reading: 10 h 10 min 27 s
